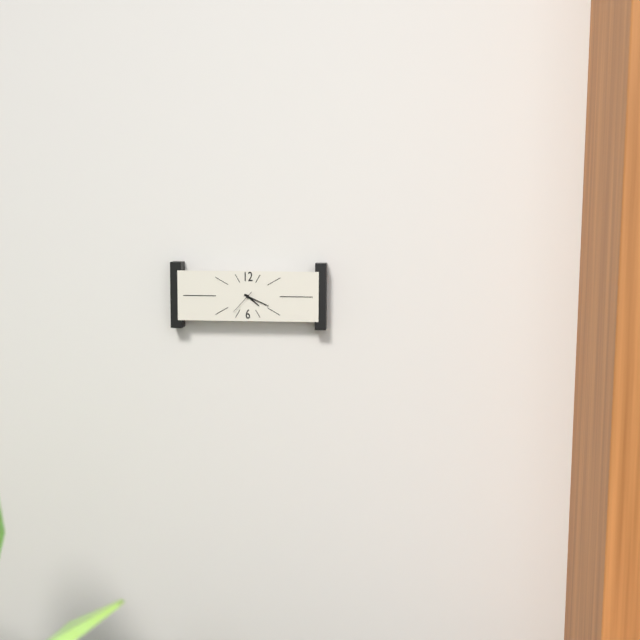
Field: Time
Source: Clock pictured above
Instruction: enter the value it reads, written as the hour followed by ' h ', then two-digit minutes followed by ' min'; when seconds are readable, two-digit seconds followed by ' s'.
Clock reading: 4 h 19 min
